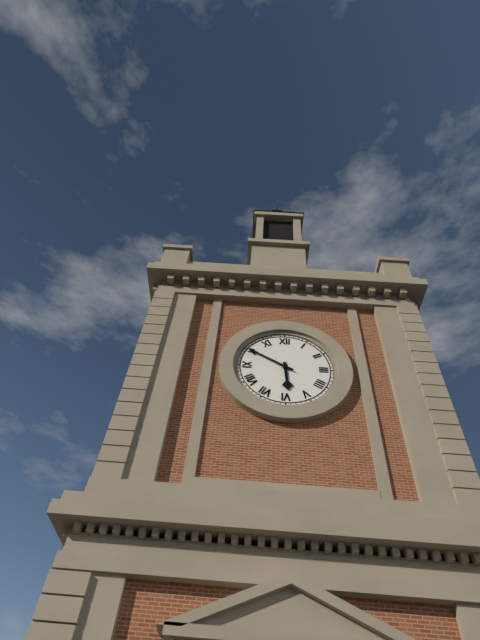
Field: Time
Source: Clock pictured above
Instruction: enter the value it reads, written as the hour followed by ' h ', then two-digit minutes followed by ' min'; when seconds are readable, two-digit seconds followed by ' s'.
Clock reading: 5 h 50 min
